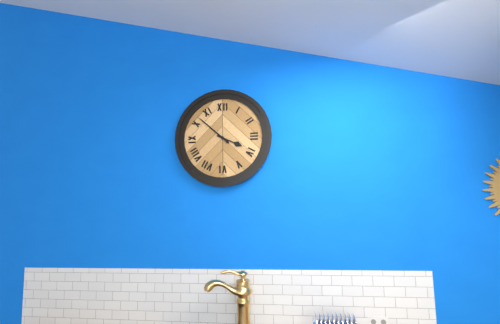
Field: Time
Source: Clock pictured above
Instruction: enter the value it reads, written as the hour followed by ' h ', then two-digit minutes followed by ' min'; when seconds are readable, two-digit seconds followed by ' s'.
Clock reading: 3 h 52 min
